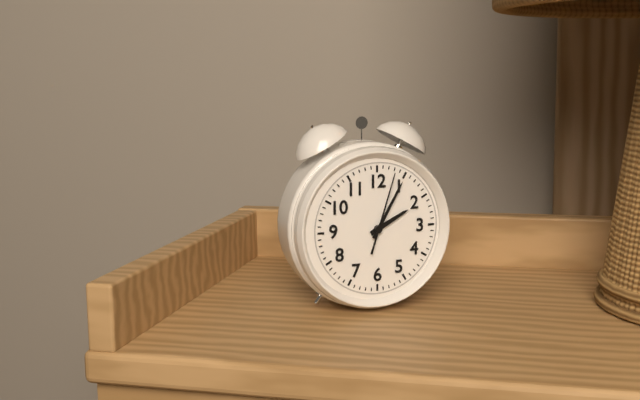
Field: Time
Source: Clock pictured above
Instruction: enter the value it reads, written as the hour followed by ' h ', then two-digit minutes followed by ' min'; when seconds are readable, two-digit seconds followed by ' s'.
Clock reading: 2 h 05 min 03 s
